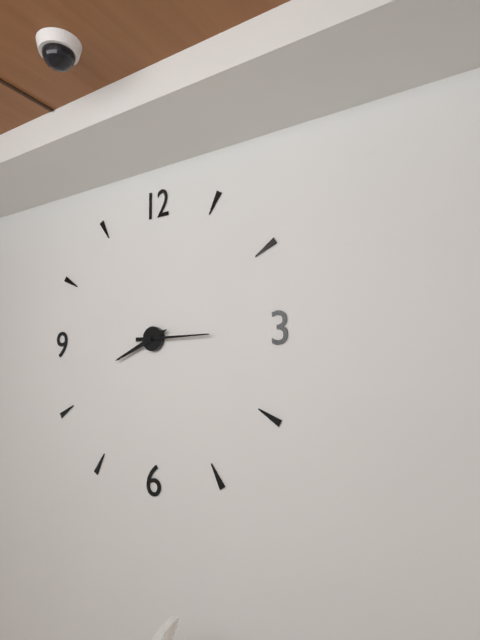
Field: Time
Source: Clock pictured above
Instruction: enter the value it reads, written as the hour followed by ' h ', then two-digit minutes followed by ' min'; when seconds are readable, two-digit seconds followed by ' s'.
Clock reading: 8 h 15 min
